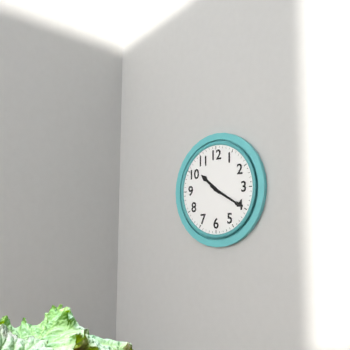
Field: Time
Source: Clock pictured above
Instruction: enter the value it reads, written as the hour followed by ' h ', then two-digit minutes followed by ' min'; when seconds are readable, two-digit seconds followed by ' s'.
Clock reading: 10 h 20 min
